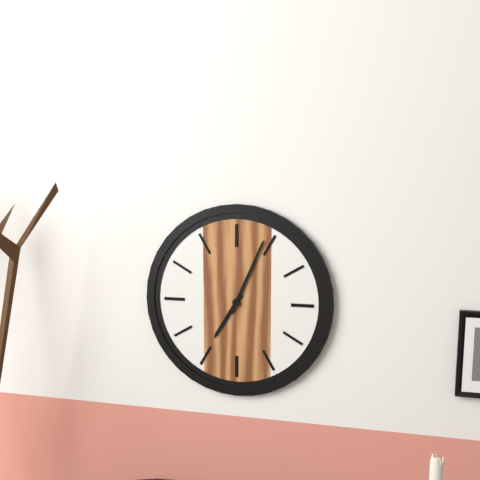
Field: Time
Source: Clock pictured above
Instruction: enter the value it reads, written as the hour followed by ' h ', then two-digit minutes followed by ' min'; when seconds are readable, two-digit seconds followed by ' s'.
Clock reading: 7 h 04 min
